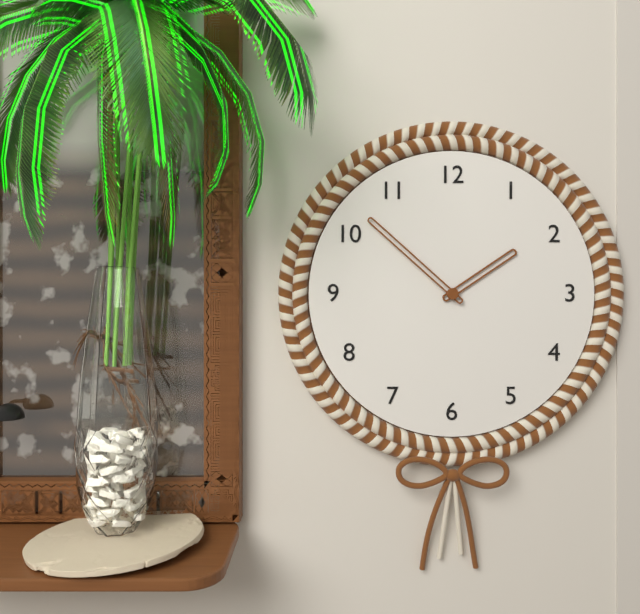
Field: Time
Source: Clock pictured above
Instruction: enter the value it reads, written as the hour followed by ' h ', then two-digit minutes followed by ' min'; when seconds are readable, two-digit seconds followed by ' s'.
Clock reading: 1 h 52 min
